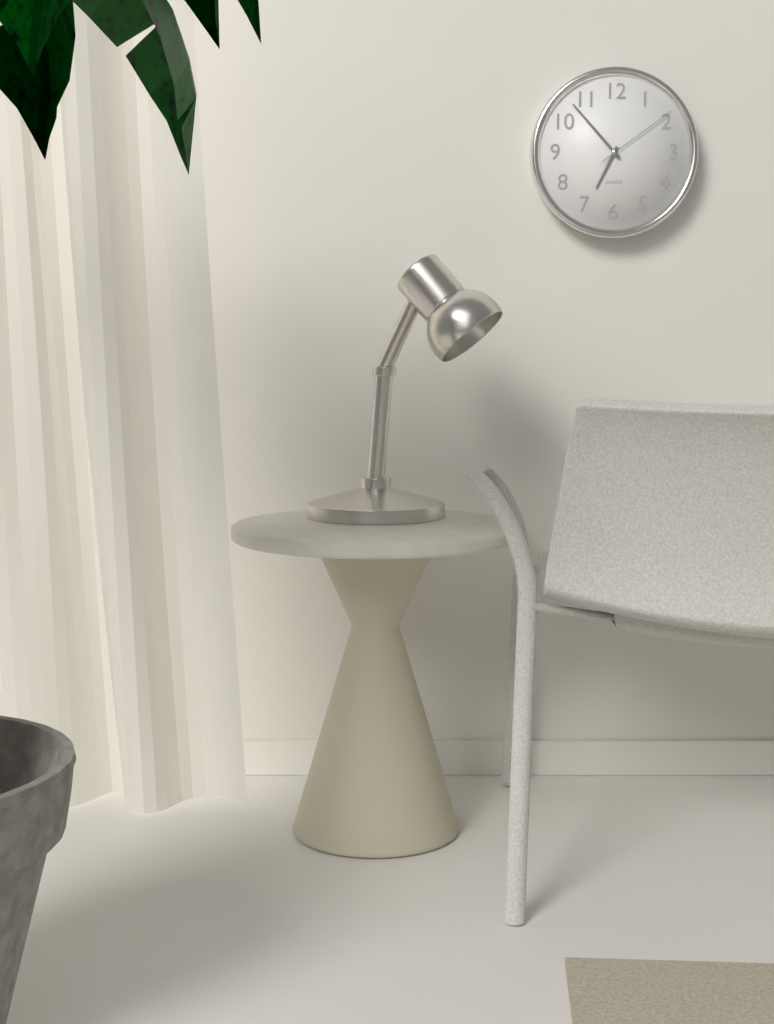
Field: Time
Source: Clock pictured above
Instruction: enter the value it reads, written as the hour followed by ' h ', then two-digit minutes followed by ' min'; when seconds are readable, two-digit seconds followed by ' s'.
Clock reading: 6 h 53 min 09 s
